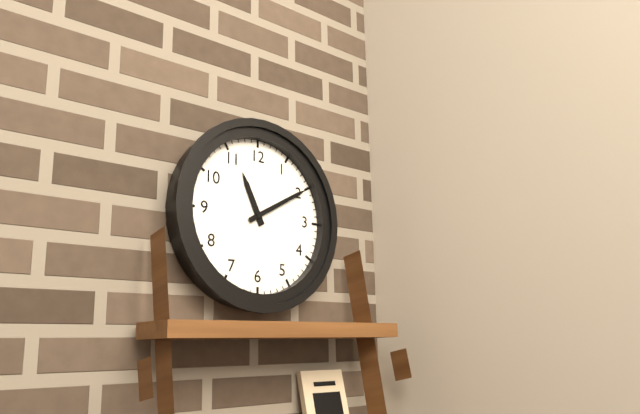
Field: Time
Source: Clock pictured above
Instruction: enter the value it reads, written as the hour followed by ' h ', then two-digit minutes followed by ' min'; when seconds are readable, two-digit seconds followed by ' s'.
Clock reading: 11 h 10 min
